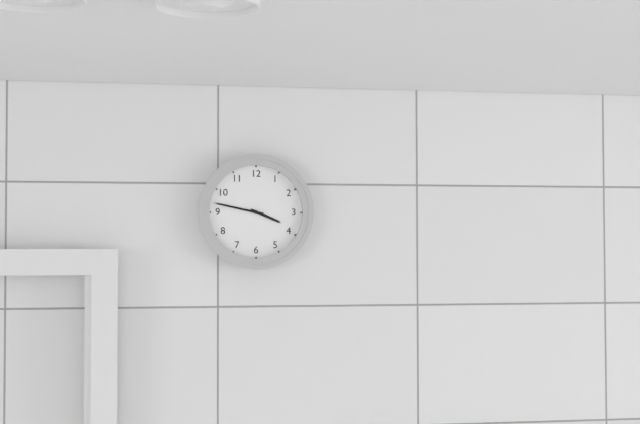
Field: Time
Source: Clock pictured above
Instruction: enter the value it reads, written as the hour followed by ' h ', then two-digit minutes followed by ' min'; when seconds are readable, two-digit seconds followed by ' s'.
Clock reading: 3 h 47 min
